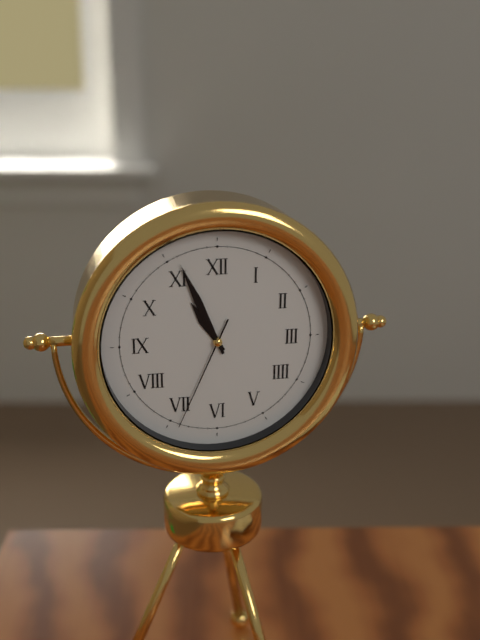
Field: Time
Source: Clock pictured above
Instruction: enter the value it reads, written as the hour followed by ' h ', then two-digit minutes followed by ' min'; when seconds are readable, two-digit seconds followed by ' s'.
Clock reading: 10 h 56 min 34 s
